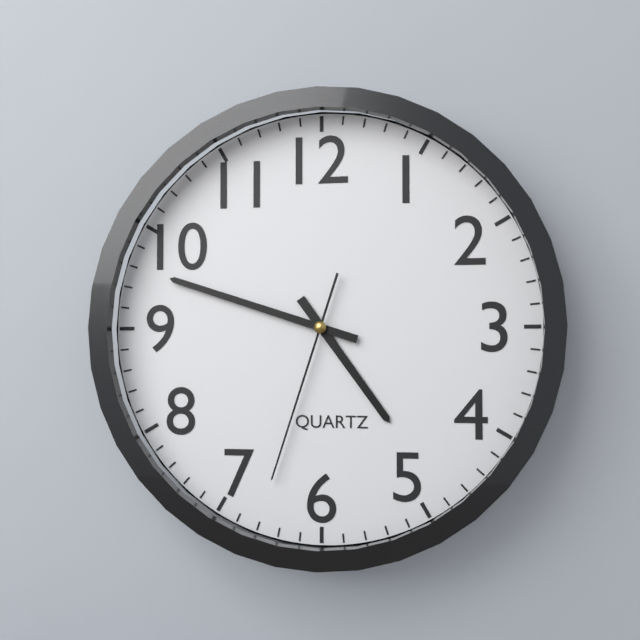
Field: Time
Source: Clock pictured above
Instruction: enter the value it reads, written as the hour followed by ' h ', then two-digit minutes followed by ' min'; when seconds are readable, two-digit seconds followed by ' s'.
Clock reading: 4 h 48 min 33 s
